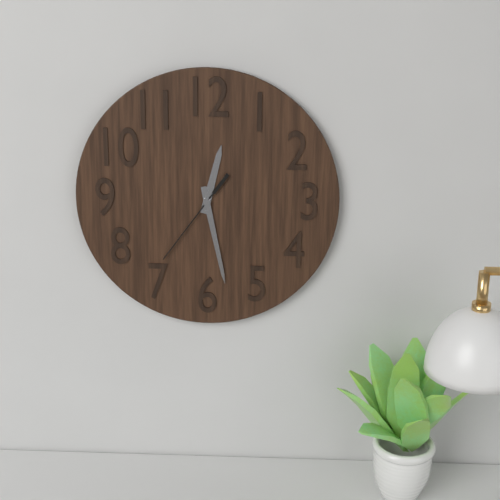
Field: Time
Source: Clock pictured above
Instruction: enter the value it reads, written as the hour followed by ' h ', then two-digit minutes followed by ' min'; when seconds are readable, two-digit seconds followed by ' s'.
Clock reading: 12 h 28 min 36 s
